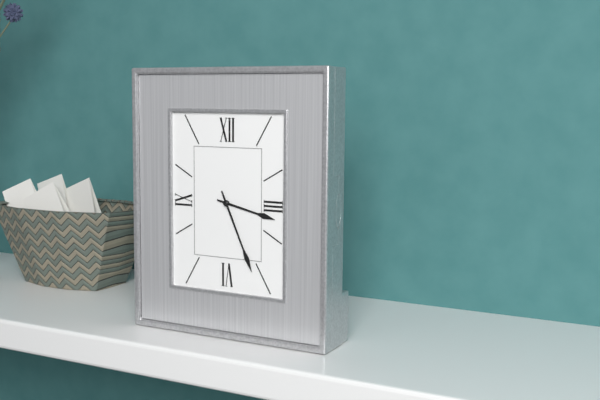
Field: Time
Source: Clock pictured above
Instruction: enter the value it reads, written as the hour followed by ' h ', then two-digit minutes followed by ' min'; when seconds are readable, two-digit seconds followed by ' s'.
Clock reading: 3 h 26 min
